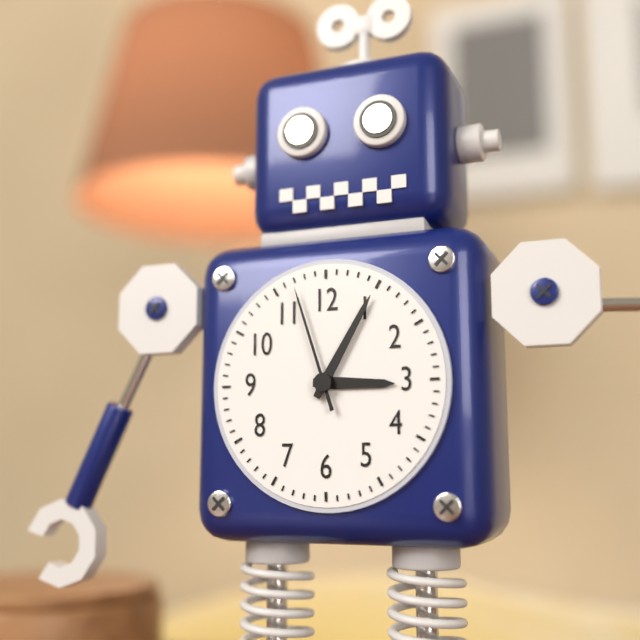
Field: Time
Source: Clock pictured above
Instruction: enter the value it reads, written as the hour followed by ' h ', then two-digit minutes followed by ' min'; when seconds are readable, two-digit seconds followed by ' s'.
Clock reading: 3 h 05 min 57 s
